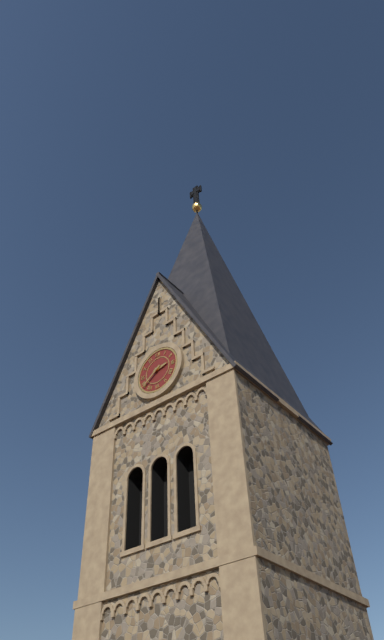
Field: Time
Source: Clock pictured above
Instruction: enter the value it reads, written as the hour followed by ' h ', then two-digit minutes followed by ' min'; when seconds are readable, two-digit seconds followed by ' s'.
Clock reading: 2 h 39 min
